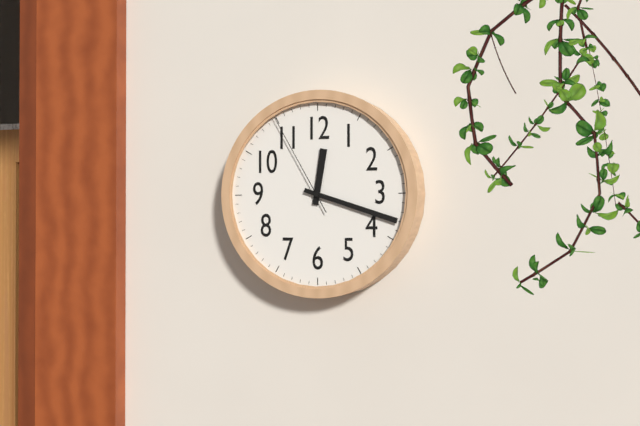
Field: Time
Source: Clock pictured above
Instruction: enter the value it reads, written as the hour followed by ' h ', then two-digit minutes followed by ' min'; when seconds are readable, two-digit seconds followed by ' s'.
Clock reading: 12 h 18 min 55 s
